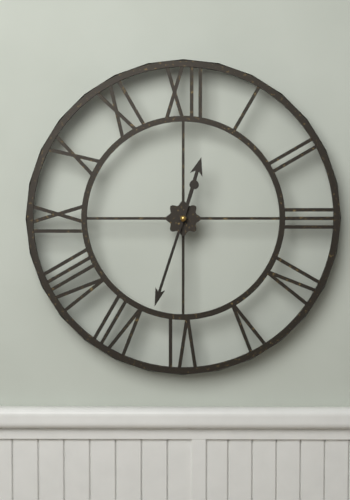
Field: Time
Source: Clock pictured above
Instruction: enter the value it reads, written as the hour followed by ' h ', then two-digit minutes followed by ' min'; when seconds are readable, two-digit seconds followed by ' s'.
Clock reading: 12 h 33 min
